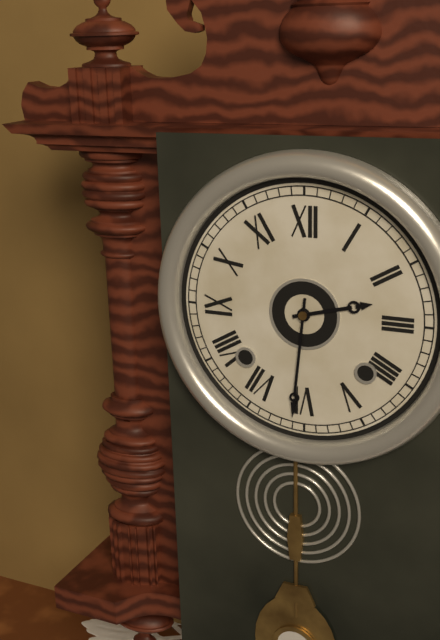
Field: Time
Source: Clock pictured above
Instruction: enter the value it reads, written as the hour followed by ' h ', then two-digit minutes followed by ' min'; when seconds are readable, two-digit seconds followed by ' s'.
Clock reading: 2 h 31 min
